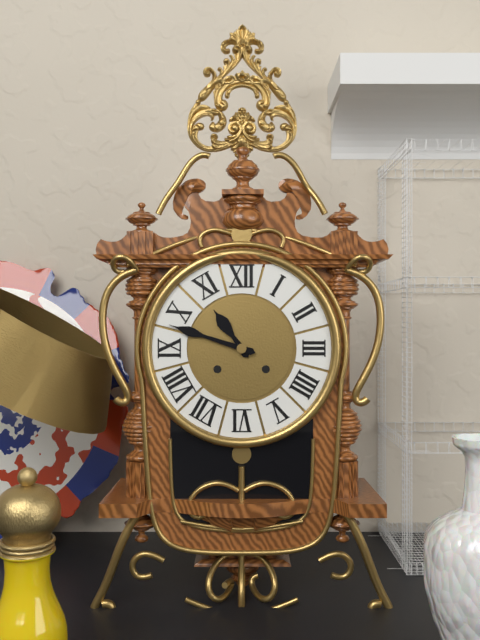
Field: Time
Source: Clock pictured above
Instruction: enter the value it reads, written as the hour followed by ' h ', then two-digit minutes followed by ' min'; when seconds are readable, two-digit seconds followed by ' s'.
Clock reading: 10 h 48 min
